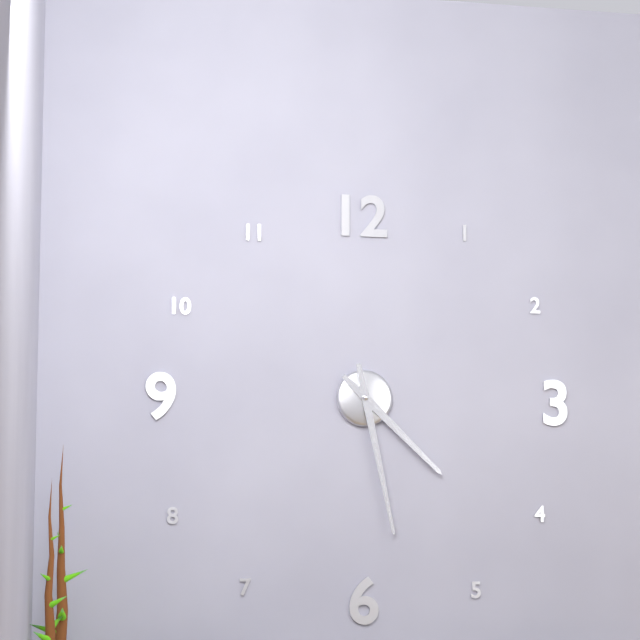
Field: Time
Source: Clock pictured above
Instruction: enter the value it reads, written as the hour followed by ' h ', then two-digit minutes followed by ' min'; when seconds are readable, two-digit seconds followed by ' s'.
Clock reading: 4 h 28 min
